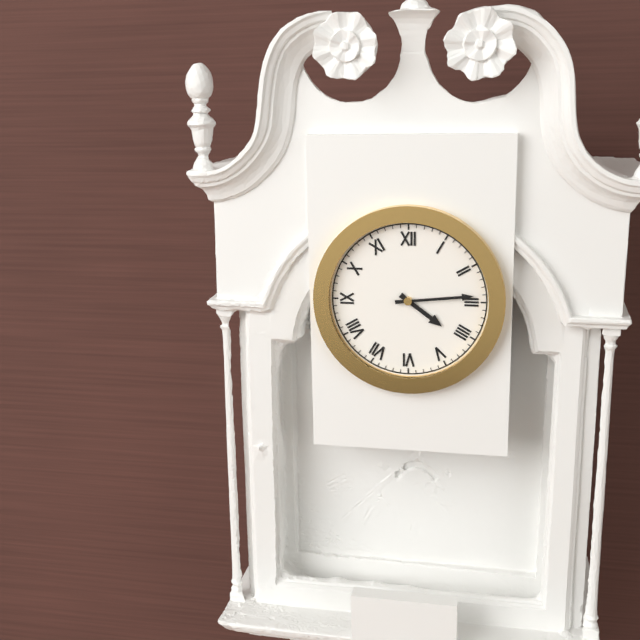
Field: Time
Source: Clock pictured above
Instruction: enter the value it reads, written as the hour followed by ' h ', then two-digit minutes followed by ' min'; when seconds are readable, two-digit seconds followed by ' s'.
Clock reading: 4 h 14 min
